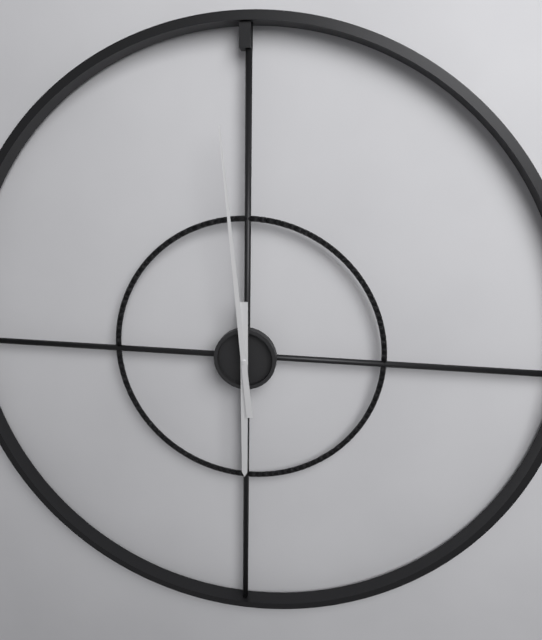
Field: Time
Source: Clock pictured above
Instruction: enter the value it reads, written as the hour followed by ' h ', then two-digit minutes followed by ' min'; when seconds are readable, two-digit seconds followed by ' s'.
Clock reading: 5 h 59 min
